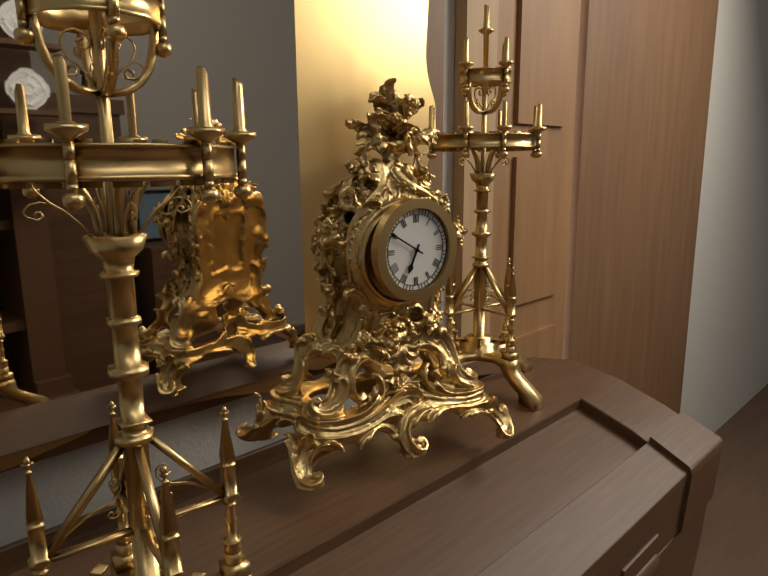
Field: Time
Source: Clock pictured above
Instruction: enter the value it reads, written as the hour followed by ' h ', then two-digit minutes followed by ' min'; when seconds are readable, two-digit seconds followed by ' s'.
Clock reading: 6 h 50 min
